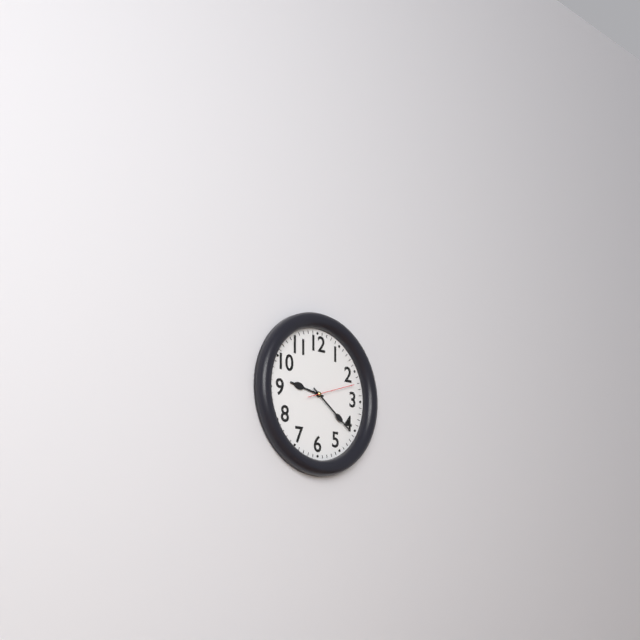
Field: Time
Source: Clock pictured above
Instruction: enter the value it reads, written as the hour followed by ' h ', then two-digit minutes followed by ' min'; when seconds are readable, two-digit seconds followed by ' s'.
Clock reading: 9 h 21 min 12 s
